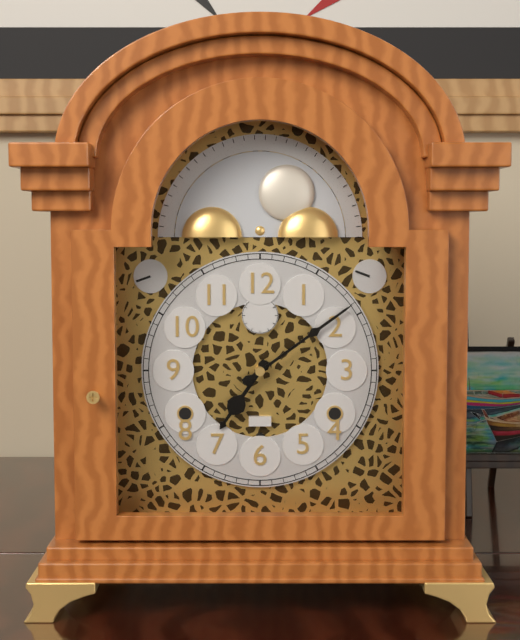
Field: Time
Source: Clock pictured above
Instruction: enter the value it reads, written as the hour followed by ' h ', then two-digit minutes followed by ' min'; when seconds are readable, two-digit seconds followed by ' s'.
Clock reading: 7 h 09 min
